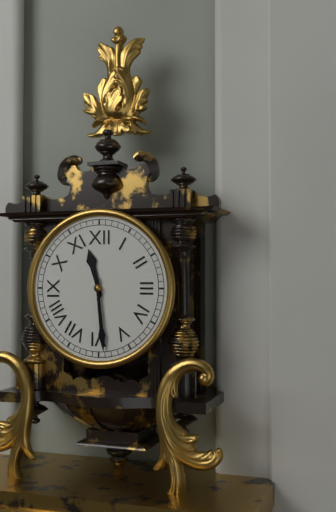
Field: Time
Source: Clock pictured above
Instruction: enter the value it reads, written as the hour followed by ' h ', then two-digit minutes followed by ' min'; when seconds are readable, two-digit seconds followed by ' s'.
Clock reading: 11 h 29 min
